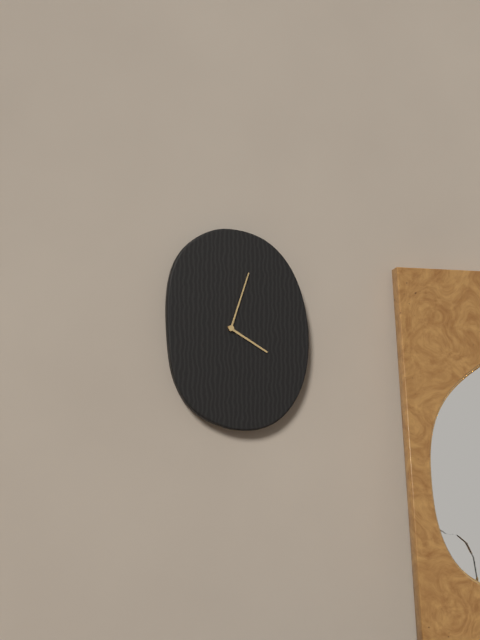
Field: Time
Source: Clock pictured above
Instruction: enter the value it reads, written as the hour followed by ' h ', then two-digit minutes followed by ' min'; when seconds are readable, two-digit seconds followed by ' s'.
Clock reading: 4 h 03 min
